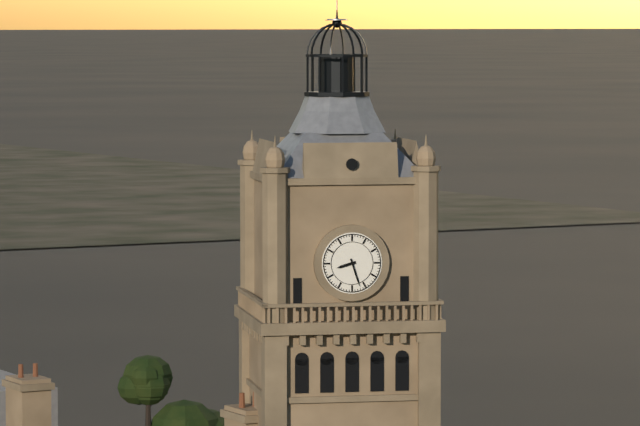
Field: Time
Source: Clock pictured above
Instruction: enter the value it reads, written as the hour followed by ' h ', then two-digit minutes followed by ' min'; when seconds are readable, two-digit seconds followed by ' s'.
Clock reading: 8 h 27 min
